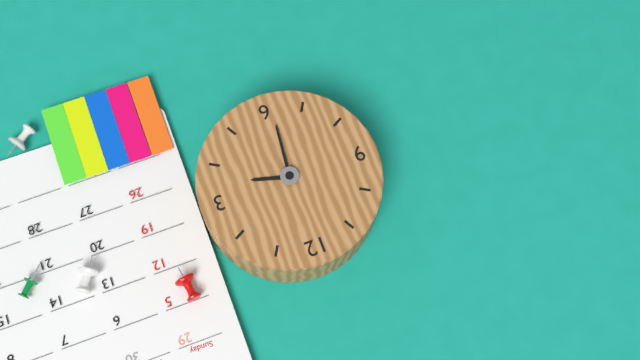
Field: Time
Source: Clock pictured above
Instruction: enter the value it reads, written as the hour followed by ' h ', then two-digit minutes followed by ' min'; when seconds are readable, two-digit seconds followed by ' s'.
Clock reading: 3 h 31 min
